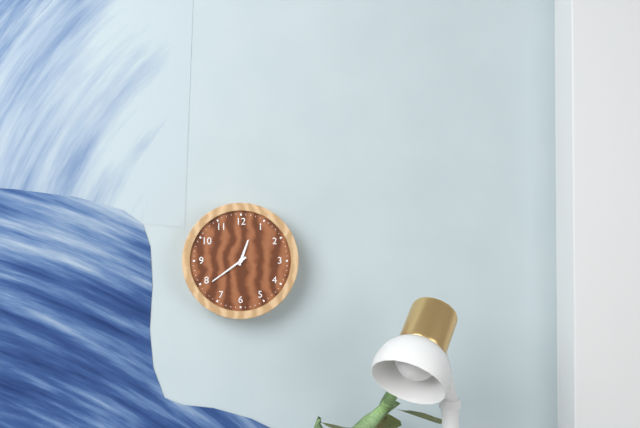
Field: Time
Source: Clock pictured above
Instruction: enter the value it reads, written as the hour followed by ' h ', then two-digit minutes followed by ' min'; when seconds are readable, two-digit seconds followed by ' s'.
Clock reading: 12 h 39 min
